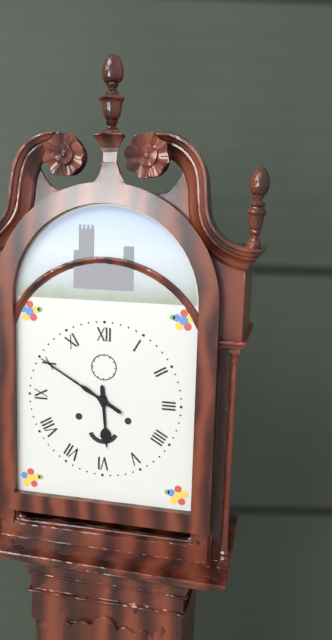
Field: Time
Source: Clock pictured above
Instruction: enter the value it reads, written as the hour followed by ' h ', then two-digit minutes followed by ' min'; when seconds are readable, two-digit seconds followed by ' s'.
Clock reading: 5 h 50 min
